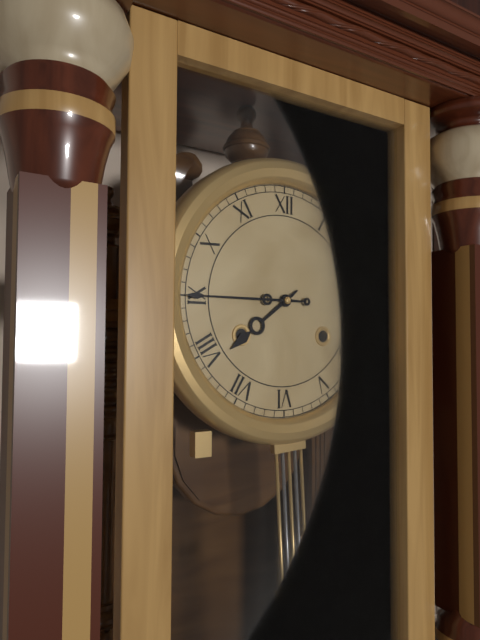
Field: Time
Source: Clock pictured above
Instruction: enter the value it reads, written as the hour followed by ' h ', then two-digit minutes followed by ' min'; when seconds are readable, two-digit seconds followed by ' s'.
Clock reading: 7 h 45 min
